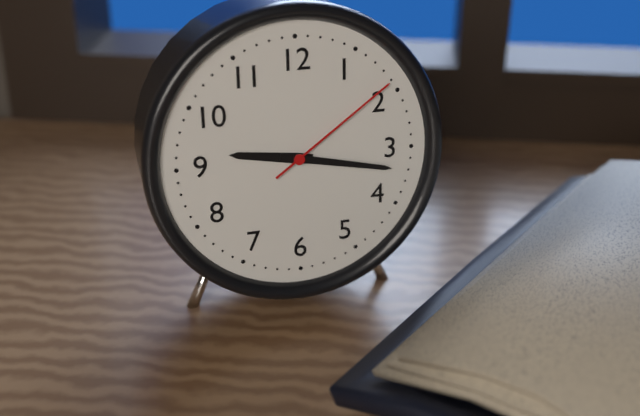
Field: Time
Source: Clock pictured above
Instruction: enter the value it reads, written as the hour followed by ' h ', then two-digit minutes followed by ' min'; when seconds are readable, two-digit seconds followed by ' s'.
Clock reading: 9 h 17 min 09 s
